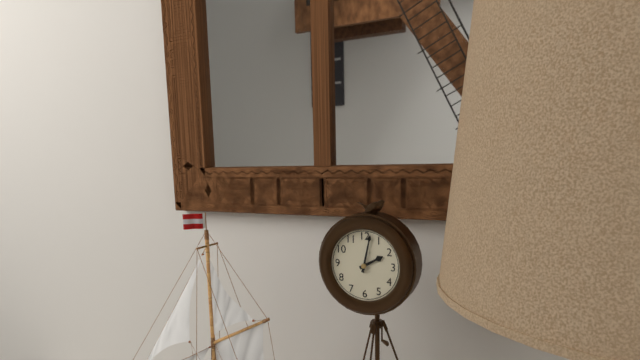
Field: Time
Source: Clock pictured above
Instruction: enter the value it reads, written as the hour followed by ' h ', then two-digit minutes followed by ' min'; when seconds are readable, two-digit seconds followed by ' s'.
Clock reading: 2 h 02 min
